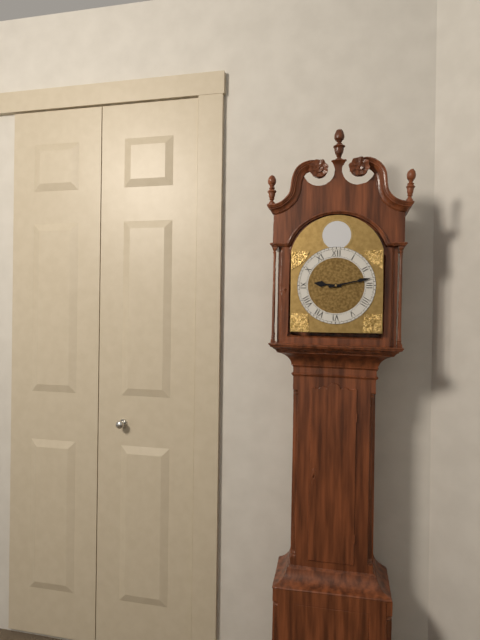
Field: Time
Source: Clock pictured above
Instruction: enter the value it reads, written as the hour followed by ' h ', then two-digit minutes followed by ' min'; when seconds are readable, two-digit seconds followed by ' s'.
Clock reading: 9 h 13 min
